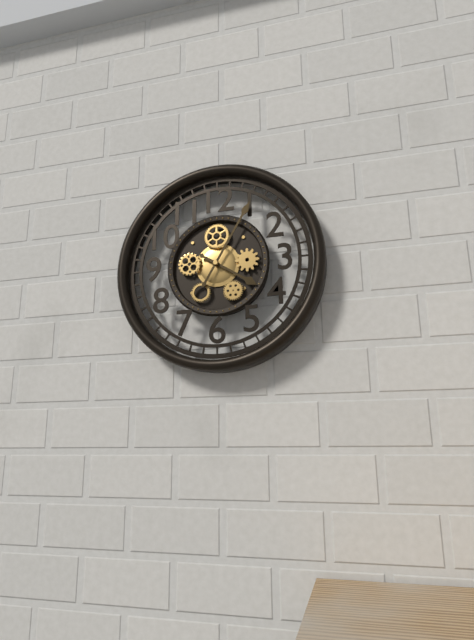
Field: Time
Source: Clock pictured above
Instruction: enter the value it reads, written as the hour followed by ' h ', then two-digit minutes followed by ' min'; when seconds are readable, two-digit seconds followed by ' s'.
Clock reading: 4 h 05 min
